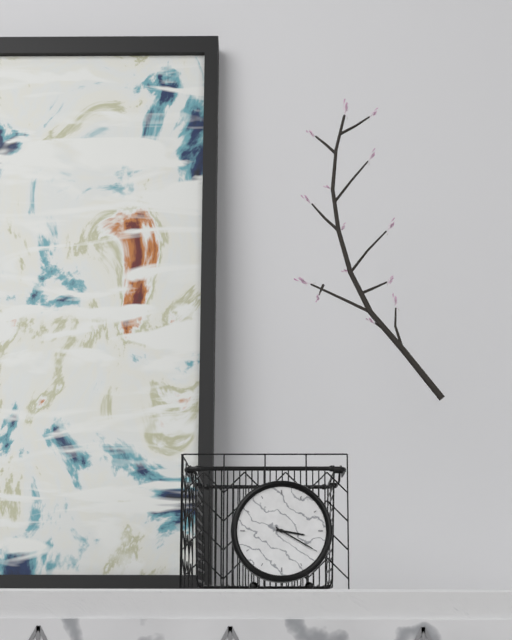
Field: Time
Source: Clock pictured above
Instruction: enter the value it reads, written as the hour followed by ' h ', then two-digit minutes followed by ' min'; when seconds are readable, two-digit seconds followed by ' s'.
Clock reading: 3 h 20 min
